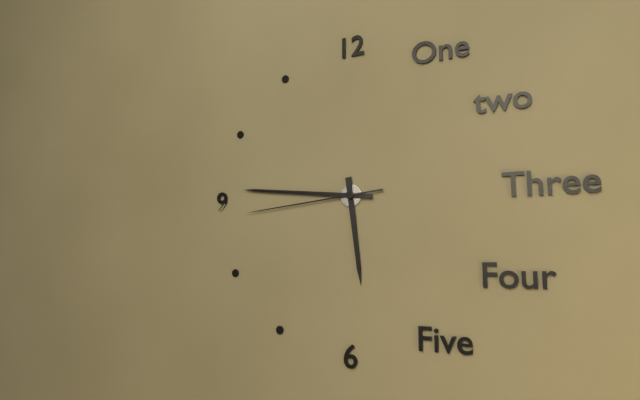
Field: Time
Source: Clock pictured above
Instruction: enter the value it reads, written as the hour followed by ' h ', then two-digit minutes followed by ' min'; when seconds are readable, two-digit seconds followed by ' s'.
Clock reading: 5 h 46 min 44 s
